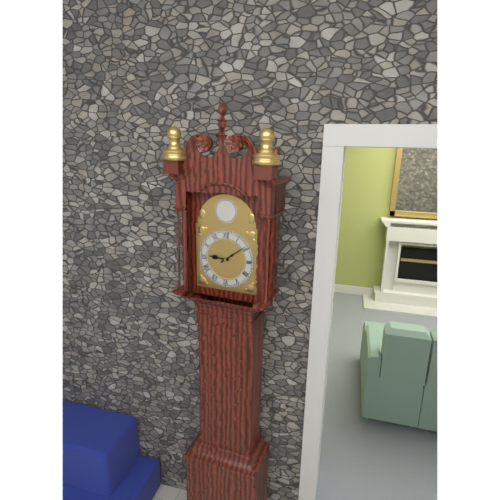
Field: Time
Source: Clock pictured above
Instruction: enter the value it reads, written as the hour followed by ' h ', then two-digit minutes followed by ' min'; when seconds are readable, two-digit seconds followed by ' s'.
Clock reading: 9 h 09 min
